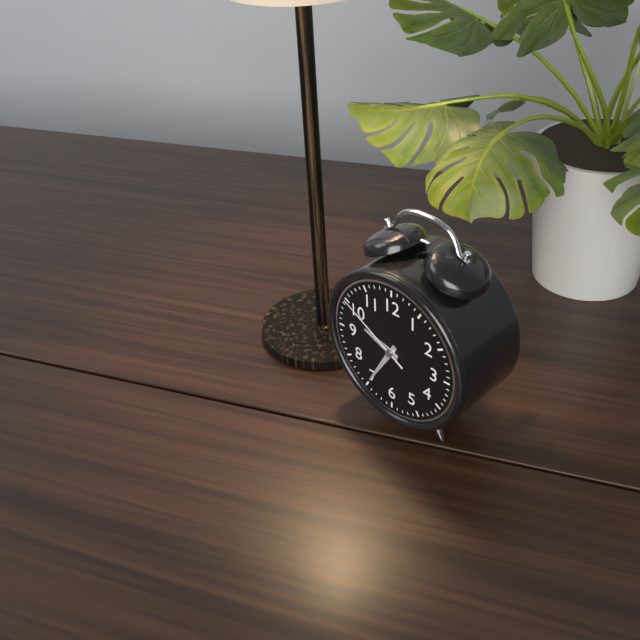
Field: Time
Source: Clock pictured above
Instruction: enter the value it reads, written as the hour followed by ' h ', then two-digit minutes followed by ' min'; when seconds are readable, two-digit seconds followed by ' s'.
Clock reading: 9 h 35 min 50 s
